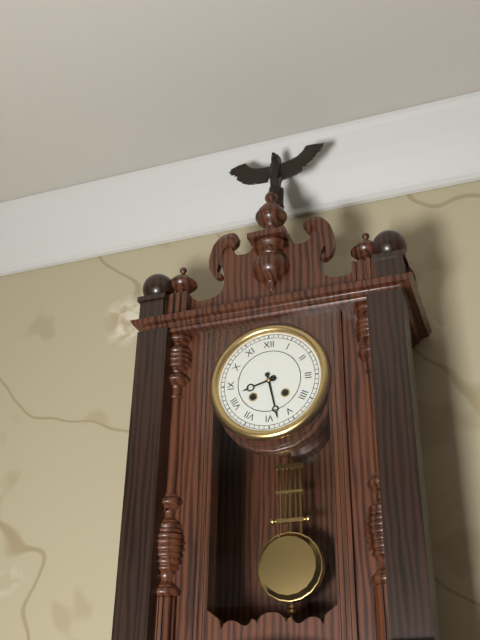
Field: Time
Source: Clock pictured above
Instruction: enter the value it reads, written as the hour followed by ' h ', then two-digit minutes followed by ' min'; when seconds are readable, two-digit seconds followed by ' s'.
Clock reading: 8 h 28 min
